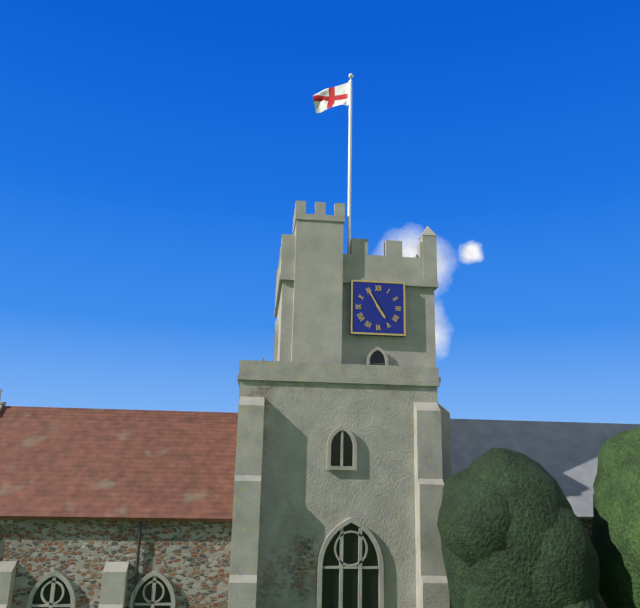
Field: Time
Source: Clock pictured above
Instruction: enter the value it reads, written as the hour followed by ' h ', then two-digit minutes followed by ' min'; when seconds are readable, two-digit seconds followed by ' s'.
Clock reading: 4 h 55 min
